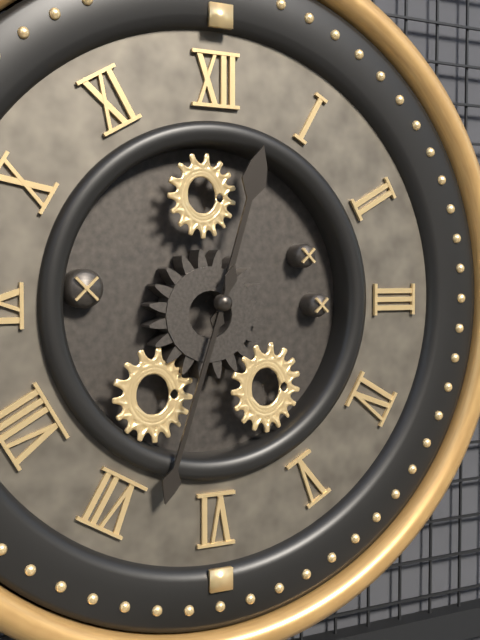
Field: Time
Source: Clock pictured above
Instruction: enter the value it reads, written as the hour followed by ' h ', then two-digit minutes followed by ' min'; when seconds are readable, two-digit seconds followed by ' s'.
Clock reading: 12 h 33 min
